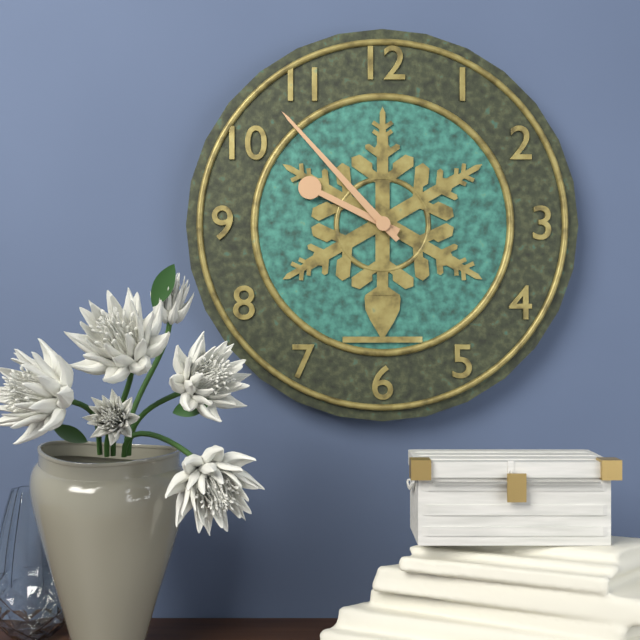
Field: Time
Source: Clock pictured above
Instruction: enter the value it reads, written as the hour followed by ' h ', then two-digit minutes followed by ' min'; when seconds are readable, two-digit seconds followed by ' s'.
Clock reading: 9 h 53 min
